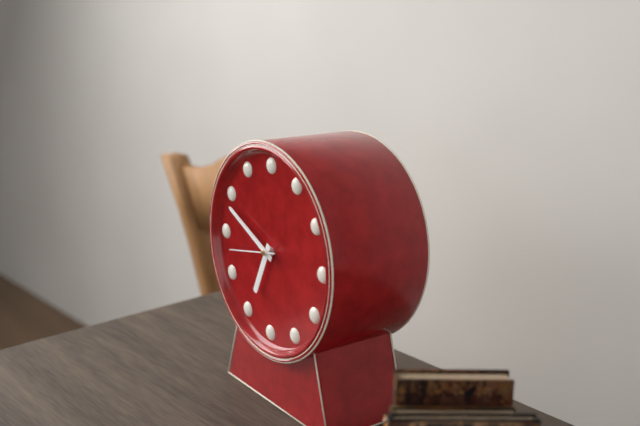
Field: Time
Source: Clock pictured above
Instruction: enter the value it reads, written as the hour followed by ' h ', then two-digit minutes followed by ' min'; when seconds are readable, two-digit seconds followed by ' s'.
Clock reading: 6 h 49 min
